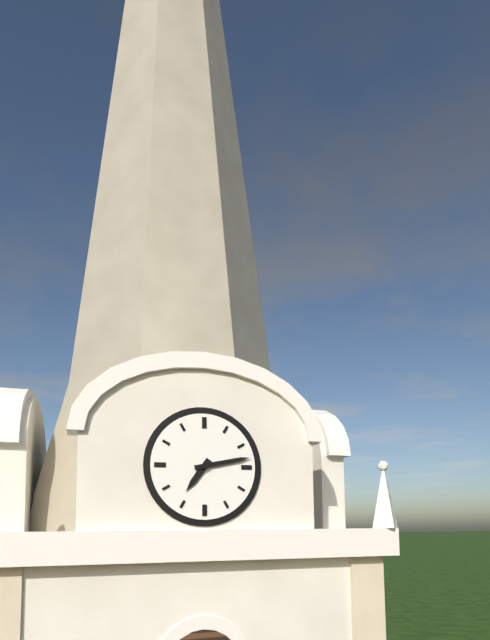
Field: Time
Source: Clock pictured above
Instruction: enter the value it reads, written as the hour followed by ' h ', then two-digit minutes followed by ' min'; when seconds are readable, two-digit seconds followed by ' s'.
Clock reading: 7 h 13 min
